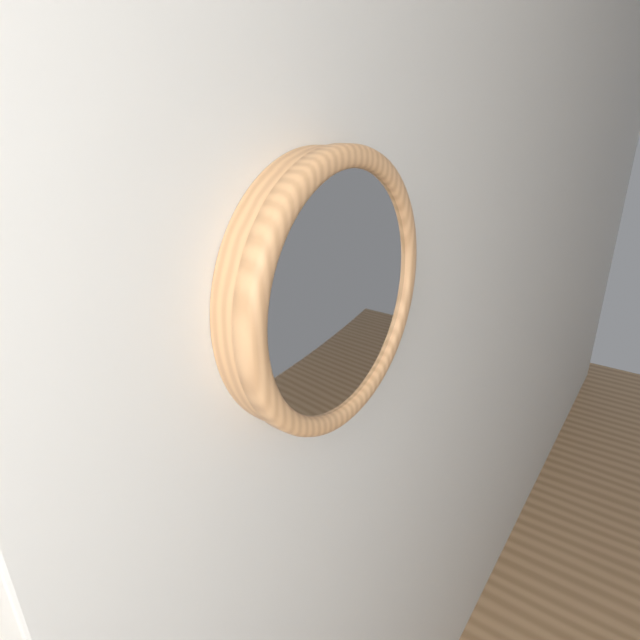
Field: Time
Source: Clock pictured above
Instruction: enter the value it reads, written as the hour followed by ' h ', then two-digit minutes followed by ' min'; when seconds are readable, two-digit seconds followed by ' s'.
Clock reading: 8 h 46 min
